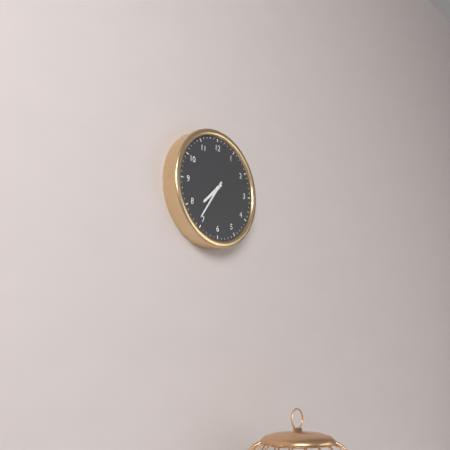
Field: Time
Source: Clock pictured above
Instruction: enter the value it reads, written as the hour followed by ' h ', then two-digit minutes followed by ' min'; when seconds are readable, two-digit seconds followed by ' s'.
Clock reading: 7 h 36 min
